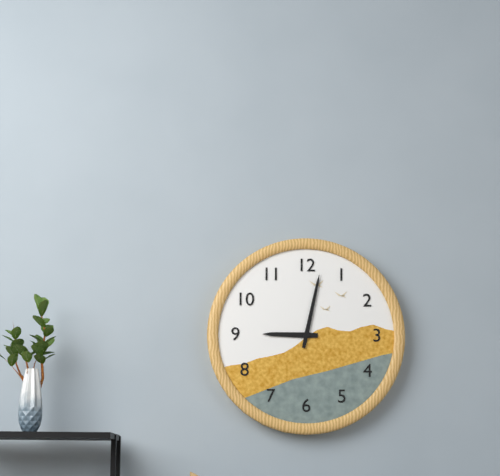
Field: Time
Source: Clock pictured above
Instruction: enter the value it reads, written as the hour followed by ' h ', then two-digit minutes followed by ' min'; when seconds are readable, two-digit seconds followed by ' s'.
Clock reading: 9 h 02 min
